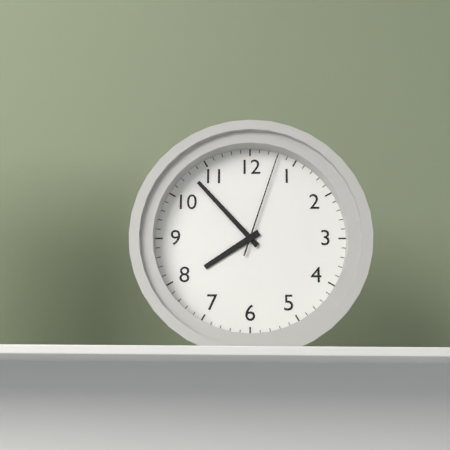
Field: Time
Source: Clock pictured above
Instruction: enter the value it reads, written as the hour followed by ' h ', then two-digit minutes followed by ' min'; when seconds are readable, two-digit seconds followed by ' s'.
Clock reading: 7 h 53 min 03 s
